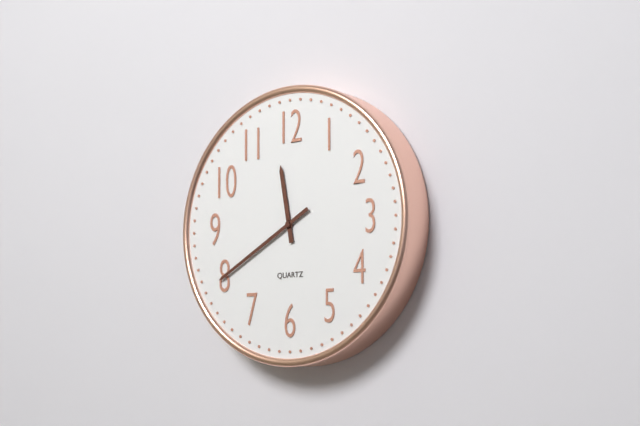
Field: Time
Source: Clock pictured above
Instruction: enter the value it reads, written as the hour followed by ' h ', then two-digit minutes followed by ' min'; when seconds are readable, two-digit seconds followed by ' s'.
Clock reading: 11 h 40 min
